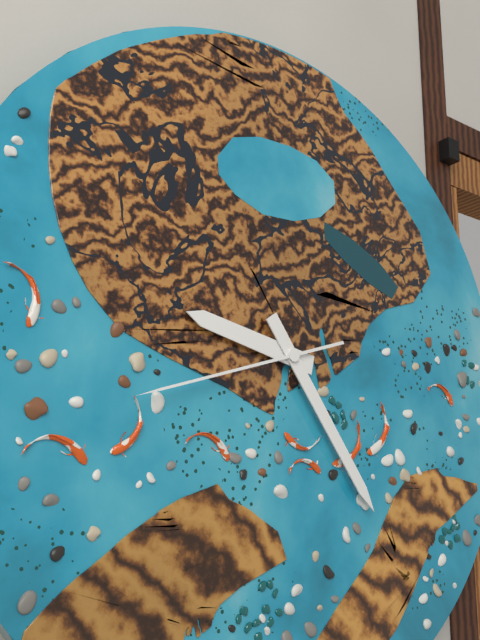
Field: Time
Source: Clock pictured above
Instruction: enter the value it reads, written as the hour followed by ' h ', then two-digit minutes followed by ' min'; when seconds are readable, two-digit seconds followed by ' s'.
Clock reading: 9 h 24 min 42 s
